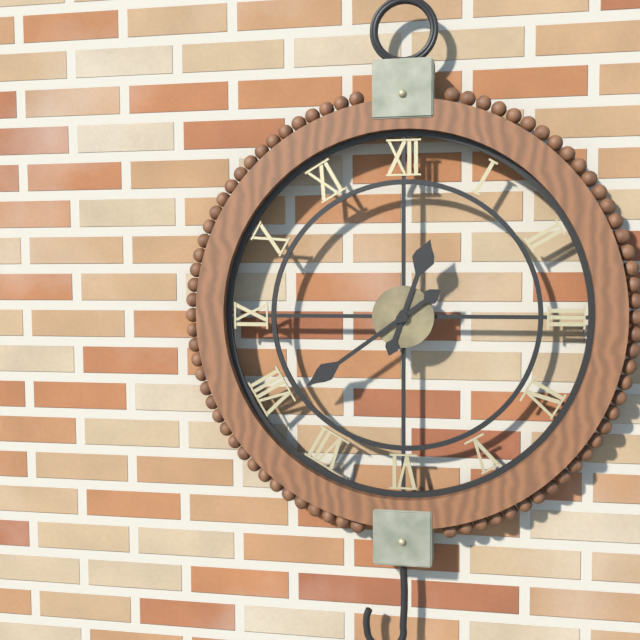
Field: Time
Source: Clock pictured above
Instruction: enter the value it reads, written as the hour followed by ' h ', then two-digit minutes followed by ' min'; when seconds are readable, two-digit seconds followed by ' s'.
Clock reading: 12 h 39 min
